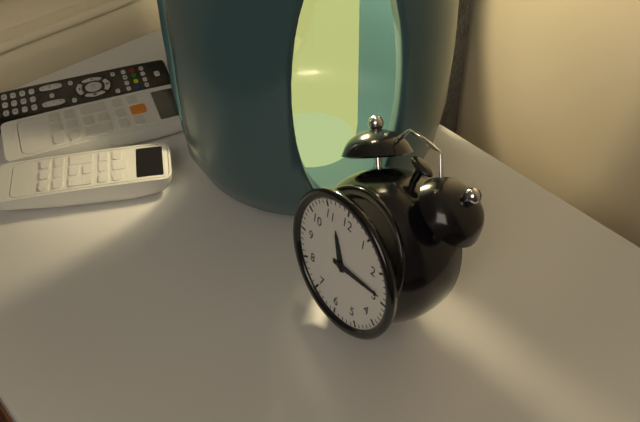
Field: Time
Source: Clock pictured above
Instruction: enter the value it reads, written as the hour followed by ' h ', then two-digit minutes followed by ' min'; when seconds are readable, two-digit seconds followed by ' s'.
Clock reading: 11 h 14 min
